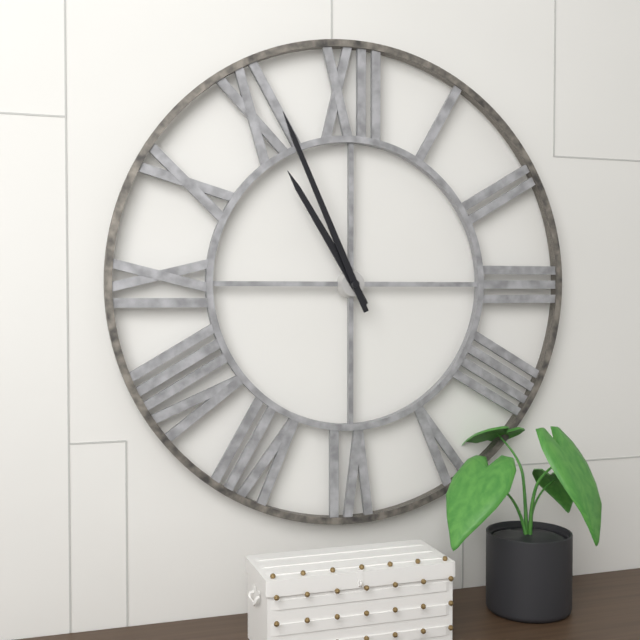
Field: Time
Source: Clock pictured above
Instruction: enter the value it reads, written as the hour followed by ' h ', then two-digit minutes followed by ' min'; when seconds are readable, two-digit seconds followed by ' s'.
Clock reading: 10 h 56 min
